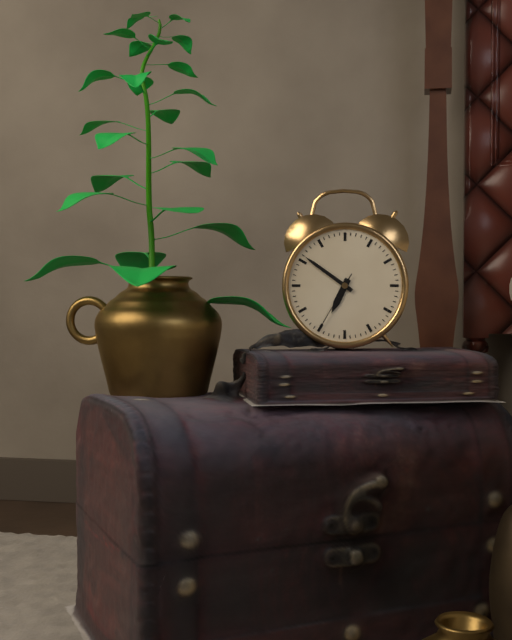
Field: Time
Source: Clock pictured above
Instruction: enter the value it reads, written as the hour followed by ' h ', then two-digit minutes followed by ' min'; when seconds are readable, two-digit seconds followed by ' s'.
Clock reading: 6 h 51 min 35 s
